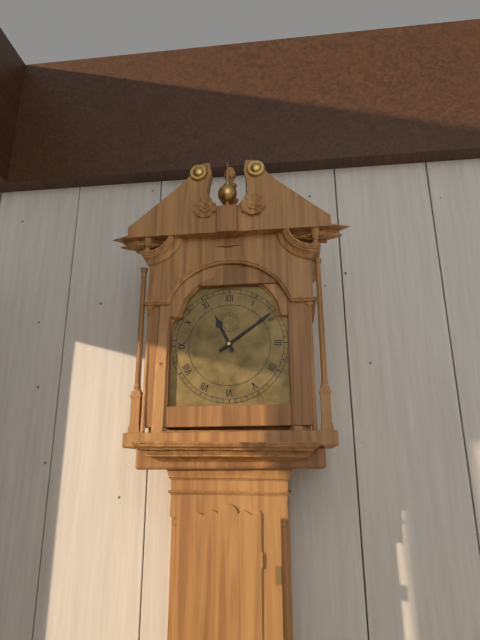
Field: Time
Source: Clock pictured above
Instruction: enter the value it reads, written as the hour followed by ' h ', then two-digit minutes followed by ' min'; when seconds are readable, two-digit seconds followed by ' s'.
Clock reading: 11 h 09 min
